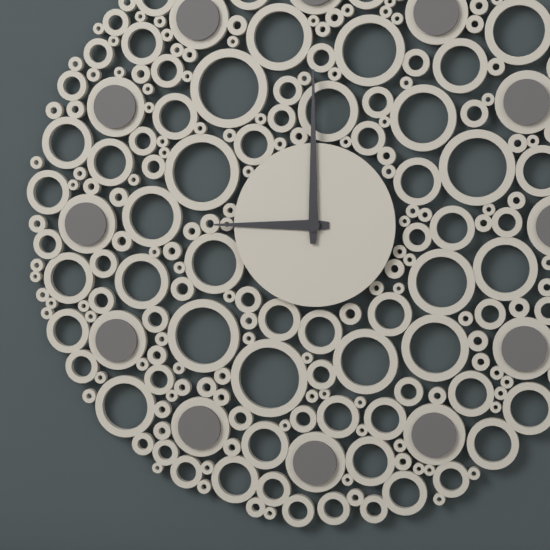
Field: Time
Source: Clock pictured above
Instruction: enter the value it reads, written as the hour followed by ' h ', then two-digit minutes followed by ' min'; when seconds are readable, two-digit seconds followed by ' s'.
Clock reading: 9 h 00 min
